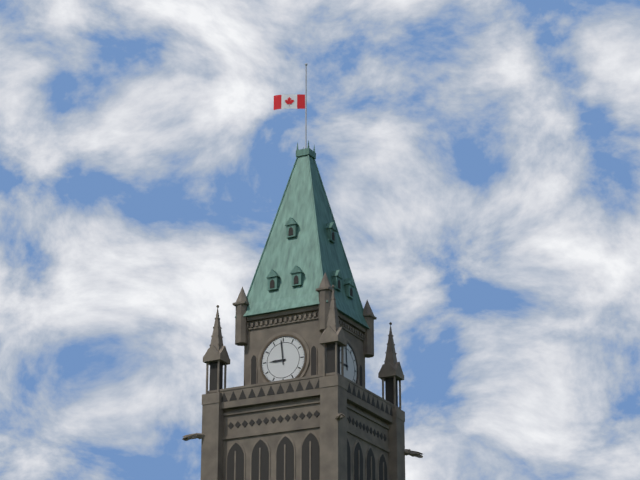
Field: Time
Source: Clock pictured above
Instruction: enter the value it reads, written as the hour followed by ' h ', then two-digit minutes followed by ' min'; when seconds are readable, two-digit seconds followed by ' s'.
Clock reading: 8 h 59 min
